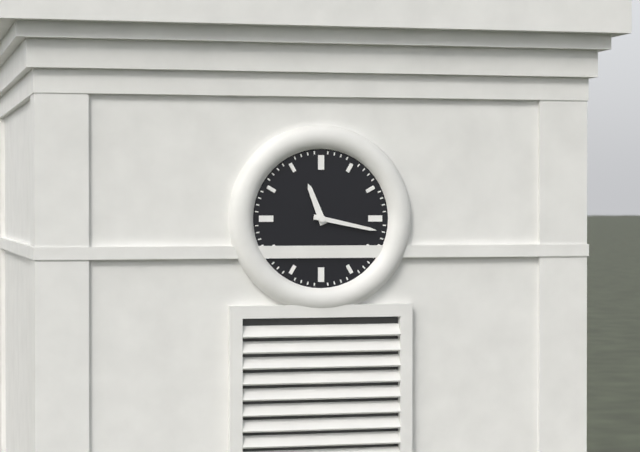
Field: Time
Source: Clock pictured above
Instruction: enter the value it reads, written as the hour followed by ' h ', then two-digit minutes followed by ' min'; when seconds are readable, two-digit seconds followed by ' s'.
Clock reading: 11 h 17 min
